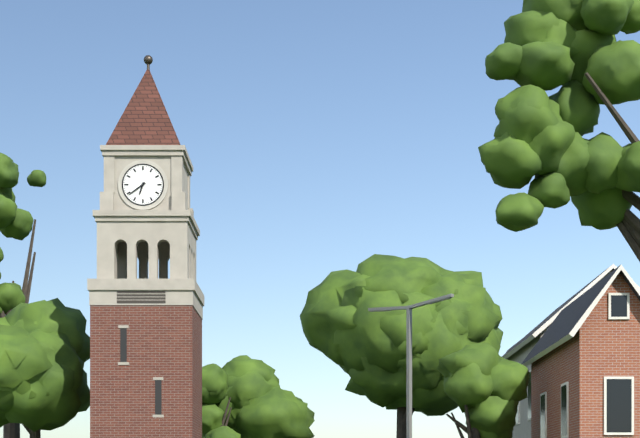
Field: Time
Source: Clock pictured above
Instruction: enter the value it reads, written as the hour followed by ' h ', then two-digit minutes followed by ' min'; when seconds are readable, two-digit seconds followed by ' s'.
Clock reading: 6 h 39 min
